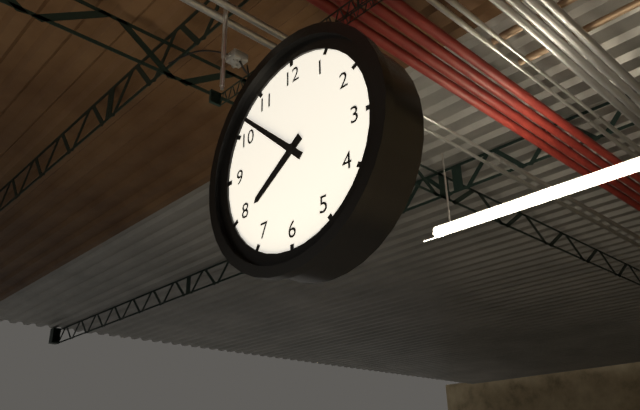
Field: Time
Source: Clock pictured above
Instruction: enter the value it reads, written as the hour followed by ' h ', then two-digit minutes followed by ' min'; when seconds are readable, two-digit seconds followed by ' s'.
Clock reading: 7 h 52 min
